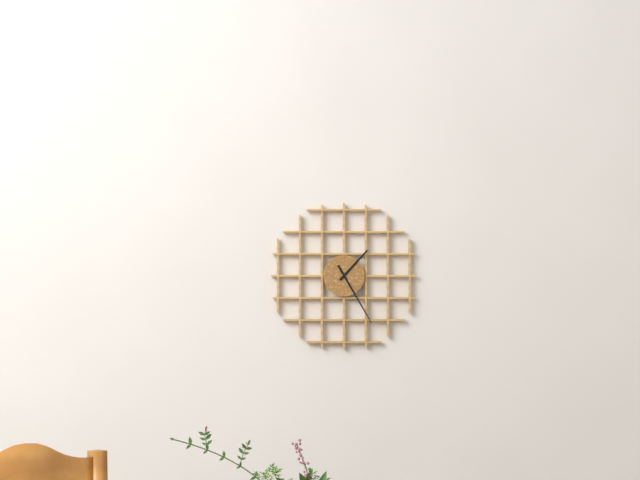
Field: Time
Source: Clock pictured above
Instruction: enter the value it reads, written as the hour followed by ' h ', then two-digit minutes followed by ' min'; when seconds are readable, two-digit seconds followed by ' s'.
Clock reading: 1 h 25 min
